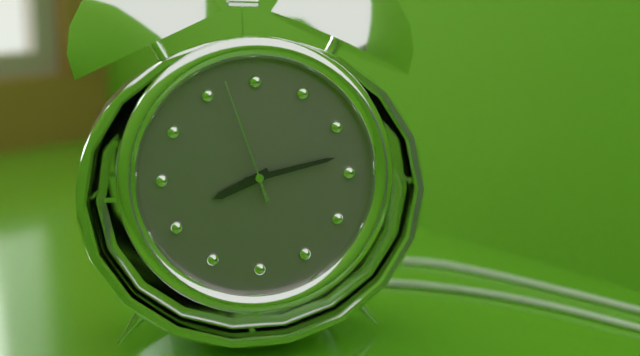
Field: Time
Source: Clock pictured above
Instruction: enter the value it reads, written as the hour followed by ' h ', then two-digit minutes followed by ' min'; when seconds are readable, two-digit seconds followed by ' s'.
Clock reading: 8 h 13 min 57 s
